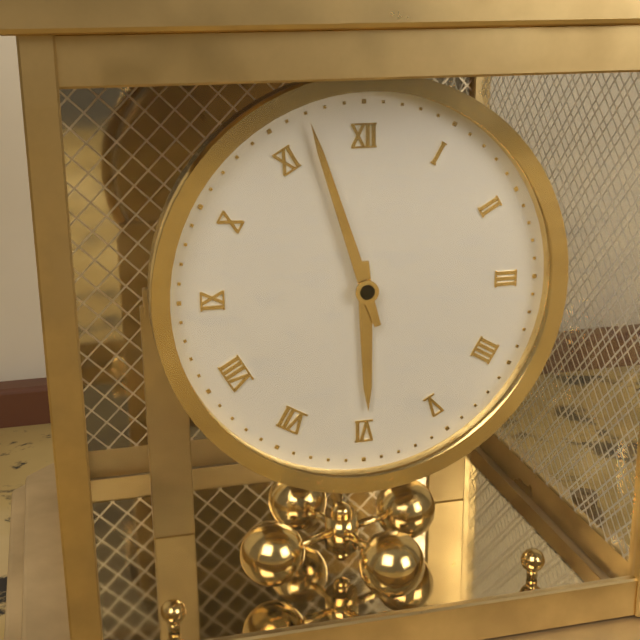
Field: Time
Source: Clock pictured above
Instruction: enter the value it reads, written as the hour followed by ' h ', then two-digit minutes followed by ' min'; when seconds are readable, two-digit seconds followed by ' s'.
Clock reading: 5 h 57 min
